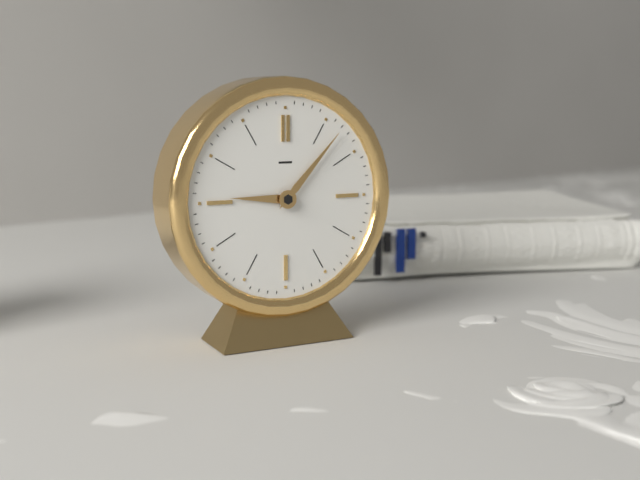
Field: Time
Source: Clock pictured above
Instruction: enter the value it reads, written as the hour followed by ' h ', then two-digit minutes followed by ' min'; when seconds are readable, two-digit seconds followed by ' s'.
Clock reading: 9 h 07 min
